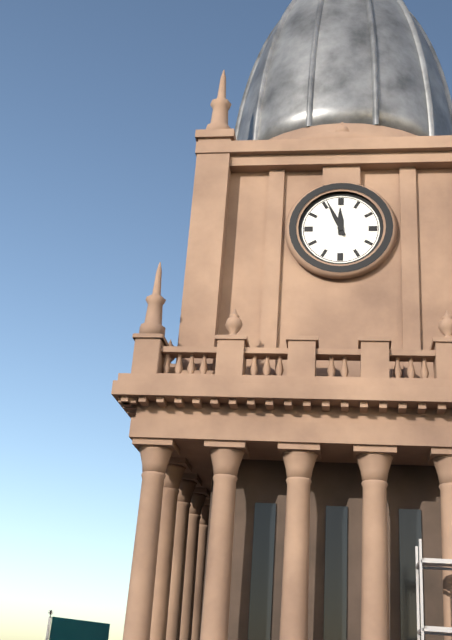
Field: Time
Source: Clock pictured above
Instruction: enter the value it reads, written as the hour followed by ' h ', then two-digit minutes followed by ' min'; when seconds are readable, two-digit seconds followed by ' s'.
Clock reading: 11 h 56 min
